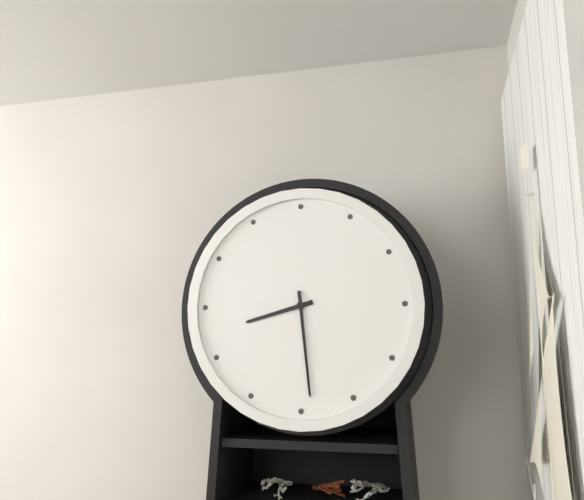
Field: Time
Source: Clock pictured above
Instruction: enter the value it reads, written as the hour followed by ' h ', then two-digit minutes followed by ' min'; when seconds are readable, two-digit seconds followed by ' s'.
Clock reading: 8 h 29 min
